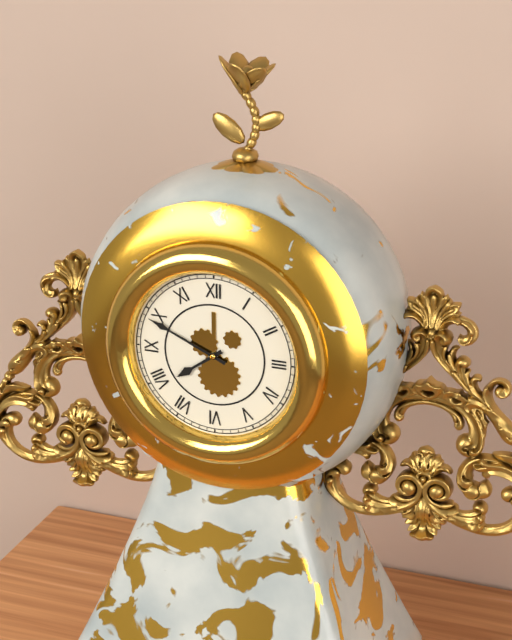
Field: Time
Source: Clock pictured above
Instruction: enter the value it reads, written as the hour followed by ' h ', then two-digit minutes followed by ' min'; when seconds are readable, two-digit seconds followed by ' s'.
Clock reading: 7 h 49 min
